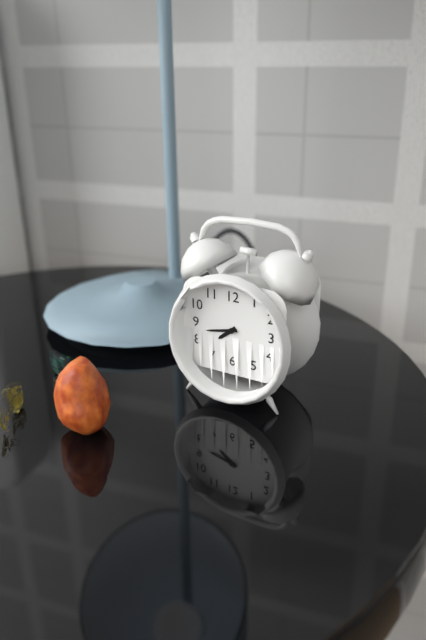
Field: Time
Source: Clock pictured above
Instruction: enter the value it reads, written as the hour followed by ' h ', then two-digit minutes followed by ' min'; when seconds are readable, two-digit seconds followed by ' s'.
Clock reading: 7 h 43 min
